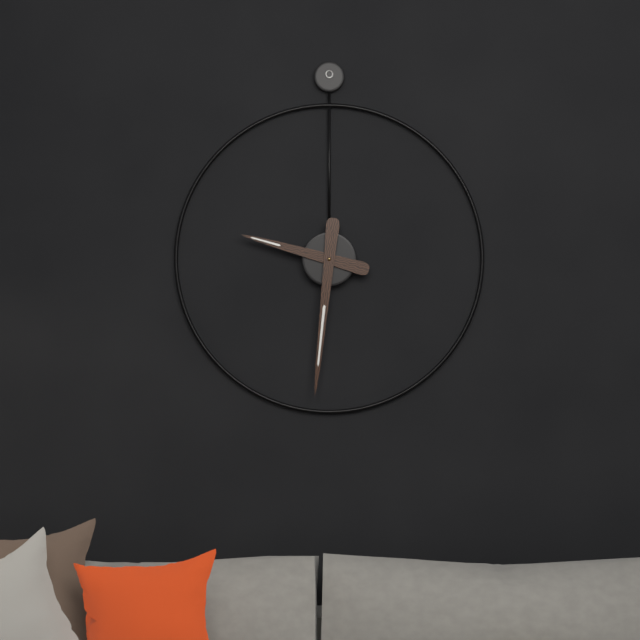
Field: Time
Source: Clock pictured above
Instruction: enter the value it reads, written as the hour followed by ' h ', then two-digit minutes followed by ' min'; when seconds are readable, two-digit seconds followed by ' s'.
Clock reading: 9 h 31 min
